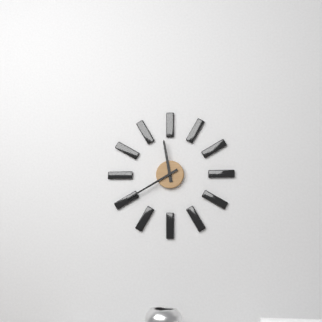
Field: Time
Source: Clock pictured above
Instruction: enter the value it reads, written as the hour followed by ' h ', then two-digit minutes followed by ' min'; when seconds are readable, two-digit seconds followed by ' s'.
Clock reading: 11 h 40 min
